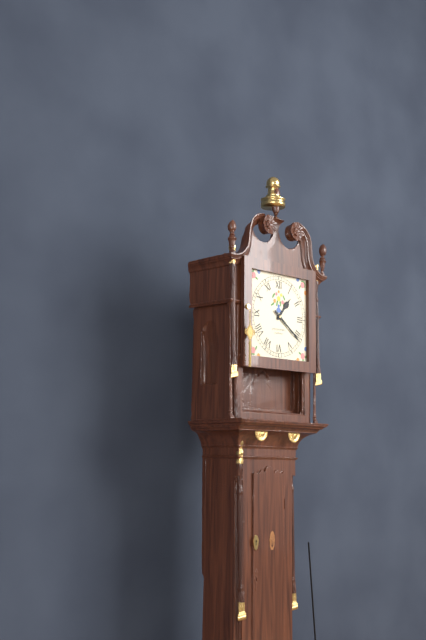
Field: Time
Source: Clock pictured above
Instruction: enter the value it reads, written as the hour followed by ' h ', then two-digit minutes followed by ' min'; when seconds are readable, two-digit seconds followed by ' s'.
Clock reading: 1 h 21 min
